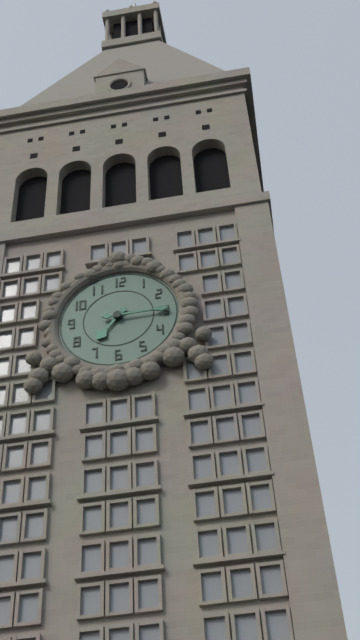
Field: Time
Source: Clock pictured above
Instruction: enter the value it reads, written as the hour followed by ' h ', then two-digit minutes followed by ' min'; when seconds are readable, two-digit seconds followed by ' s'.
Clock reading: 7 h 15 min
